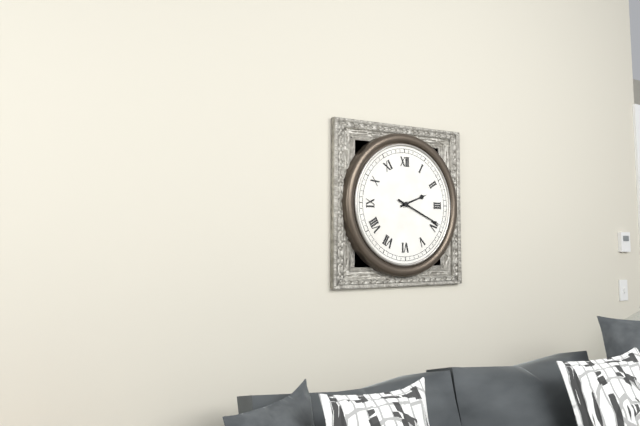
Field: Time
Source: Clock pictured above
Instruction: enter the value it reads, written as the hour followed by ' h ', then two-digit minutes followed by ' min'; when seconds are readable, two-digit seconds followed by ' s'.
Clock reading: 2 h 19 min
